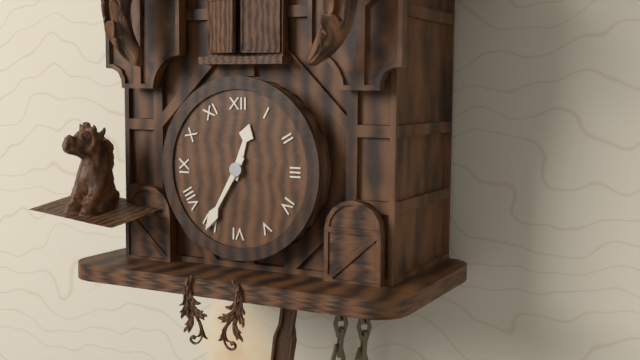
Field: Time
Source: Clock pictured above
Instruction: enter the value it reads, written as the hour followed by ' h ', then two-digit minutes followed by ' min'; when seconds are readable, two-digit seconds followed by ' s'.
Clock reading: 12 h 35 min
